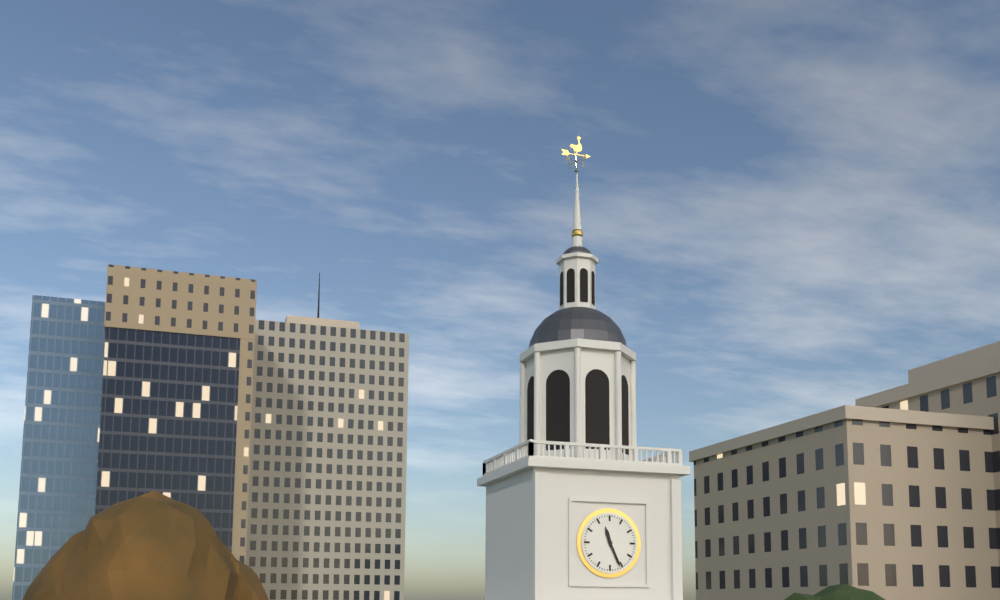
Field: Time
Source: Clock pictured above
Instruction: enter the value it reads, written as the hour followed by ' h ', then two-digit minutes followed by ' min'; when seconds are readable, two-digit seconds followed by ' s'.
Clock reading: 11 h 26 min
